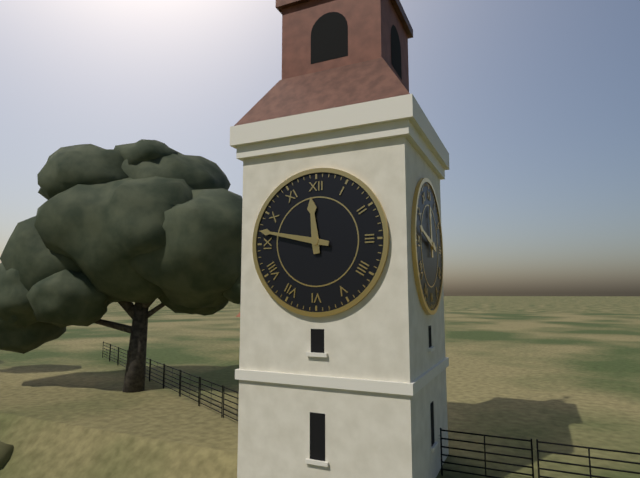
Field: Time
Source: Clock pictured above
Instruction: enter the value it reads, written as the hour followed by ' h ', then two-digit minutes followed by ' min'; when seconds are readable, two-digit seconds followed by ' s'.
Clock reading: 11 h 47 min
